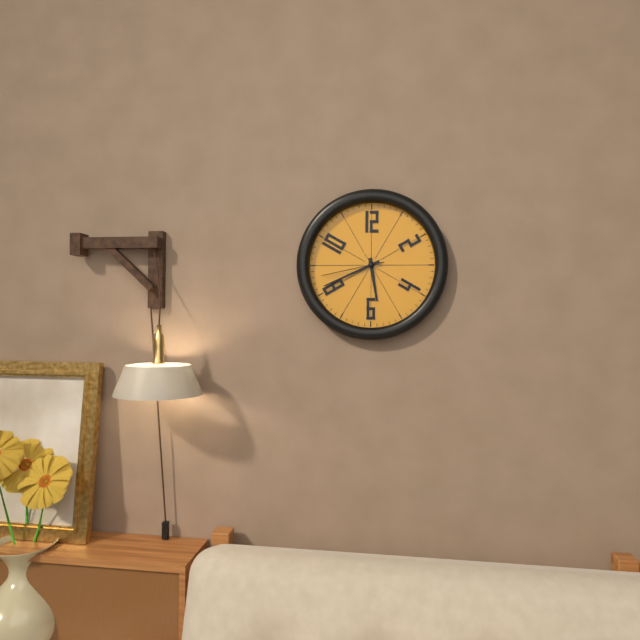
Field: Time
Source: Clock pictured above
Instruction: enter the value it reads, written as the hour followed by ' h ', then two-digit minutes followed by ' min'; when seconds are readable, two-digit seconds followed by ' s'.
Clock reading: 5 h 41 min 43 s
